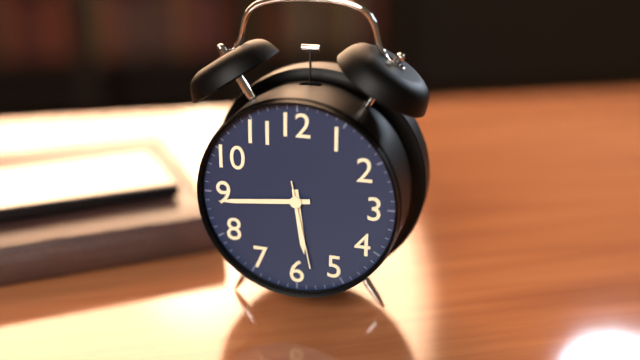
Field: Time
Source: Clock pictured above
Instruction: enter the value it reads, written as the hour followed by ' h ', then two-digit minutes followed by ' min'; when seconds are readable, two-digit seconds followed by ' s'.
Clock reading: 5 h 44 min 28 s
